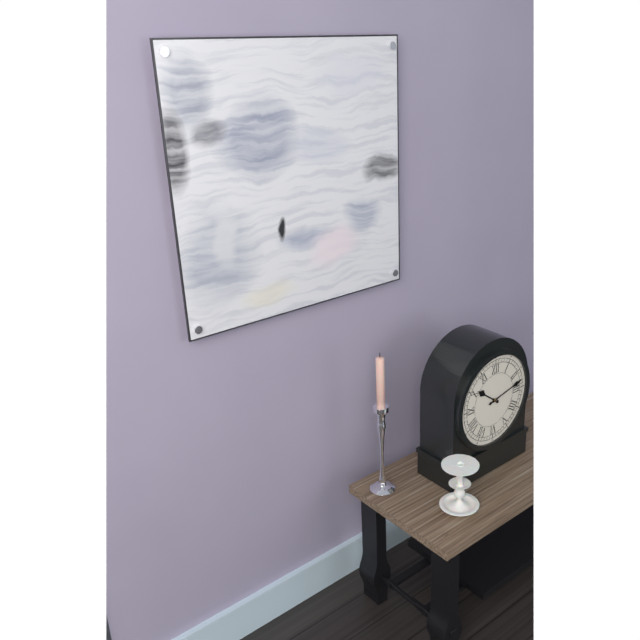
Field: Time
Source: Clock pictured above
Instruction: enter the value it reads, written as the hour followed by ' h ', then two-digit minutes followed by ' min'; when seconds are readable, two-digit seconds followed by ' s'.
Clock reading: 10 h 13 min
